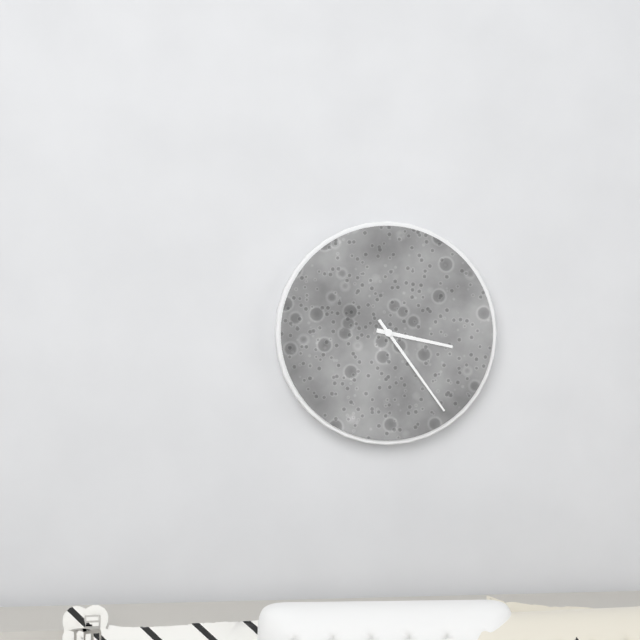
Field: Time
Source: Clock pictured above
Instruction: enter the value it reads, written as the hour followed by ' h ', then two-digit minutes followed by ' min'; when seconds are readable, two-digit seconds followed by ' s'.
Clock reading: 3 h 24 min
